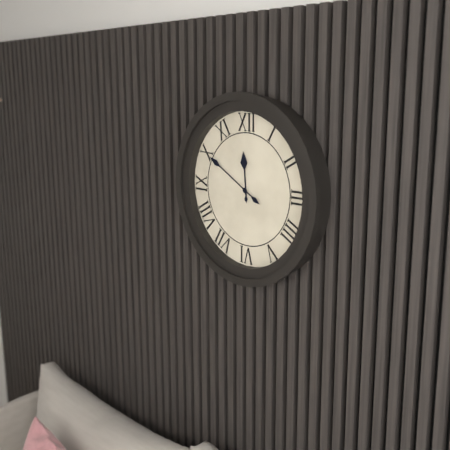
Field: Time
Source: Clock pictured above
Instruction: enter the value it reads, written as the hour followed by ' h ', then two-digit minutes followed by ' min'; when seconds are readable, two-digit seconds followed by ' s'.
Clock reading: 11 h 50 min
